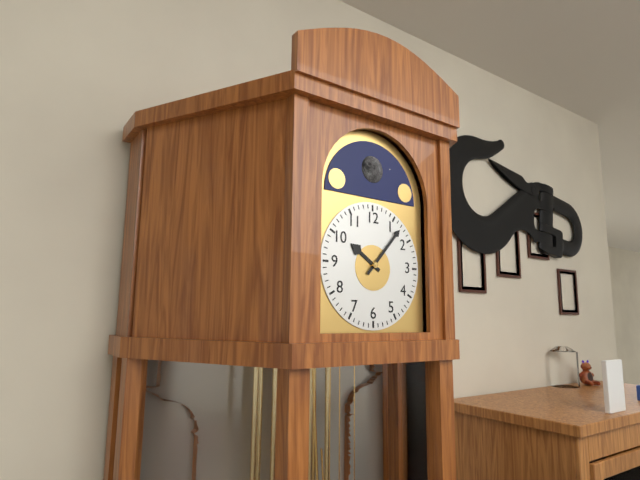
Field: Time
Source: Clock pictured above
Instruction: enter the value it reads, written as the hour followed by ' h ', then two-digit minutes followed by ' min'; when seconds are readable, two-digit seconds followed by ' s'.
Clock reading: 10 h 07 min
